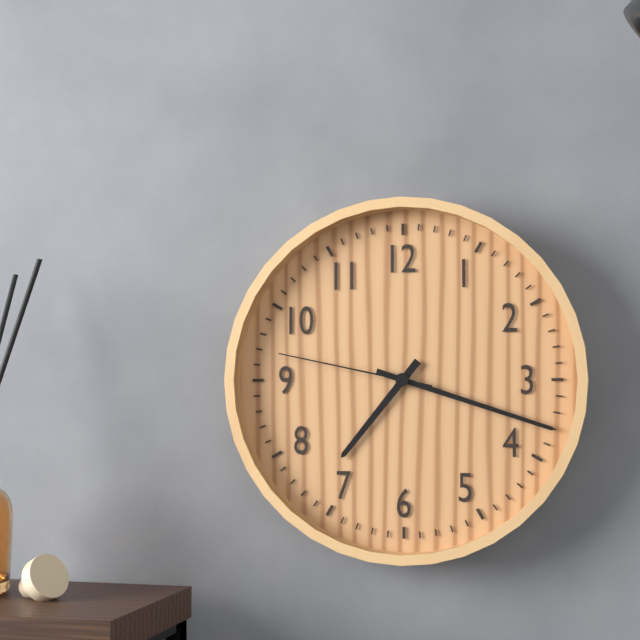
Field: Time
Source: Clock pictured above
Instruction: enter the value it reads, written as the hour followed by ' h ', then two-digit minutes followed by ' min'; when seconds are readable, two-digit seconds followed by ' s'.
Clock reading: 7 h 18 min 47 s
